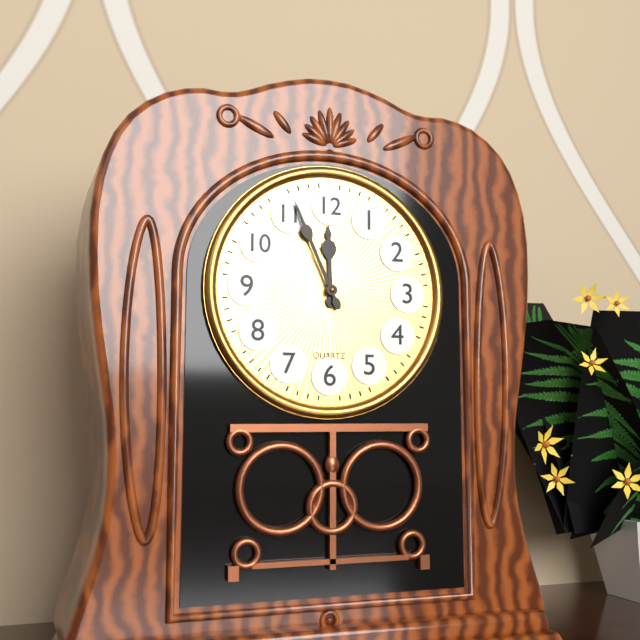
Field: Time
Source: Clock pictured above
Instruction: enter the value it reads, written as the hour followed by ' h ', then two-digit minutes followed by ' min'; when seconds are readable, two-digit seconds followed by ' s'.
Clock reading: 11 h 56 min
